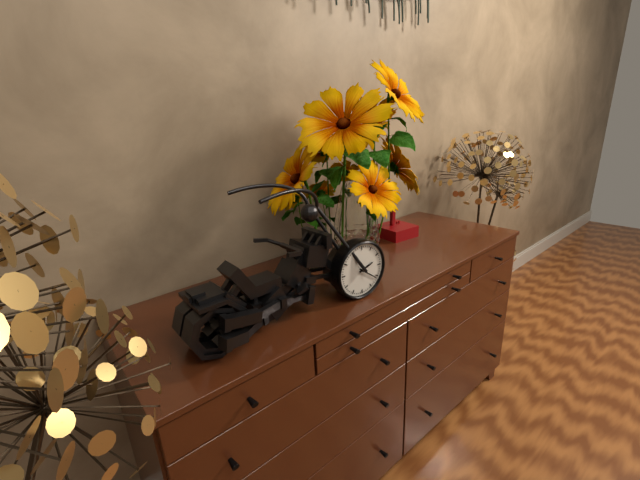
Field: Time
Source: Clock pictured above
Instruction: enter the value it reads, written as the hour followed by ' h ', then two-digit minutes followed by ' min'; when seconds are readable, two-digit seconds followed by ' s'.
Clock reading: 2 h 21 min
